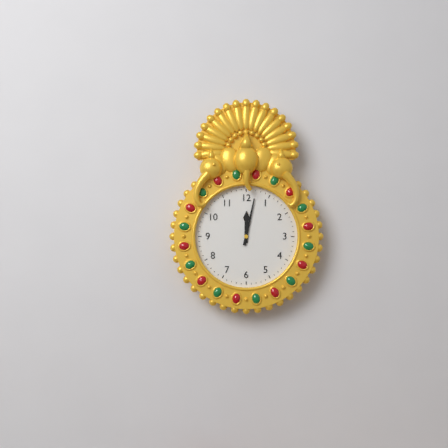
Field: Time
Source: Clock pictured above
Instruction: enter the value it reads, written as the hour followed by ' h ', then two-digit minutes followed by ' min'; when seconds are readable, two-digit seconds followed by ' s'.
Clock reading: 12 h 02 min
